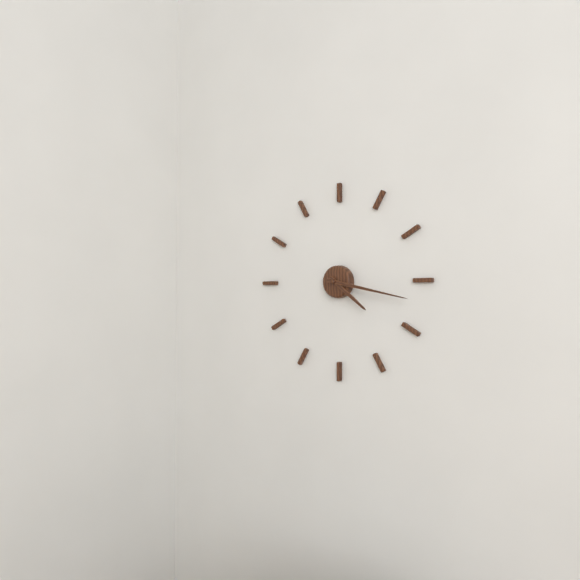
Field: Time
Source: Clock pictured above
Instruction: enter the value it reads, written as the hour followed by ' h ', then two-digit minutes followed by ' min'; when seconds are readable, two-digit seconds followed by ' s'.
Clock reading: 4 h 17 min
